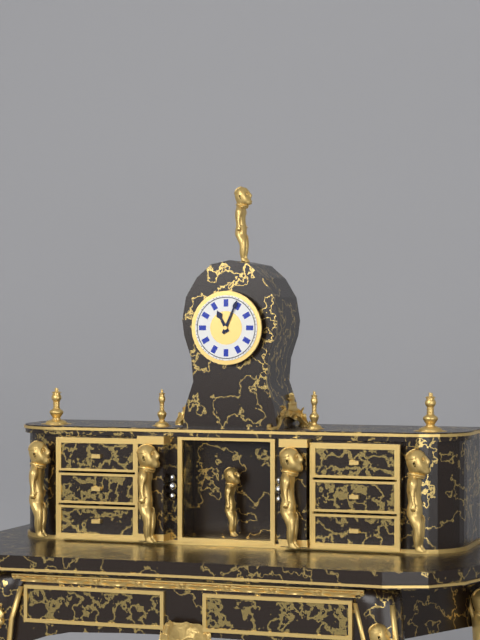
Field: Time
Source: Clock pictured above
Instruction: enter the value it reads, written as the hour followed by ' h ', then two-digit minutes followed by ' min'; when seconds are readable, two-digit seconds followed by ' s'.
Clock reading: 11 h 04 min
